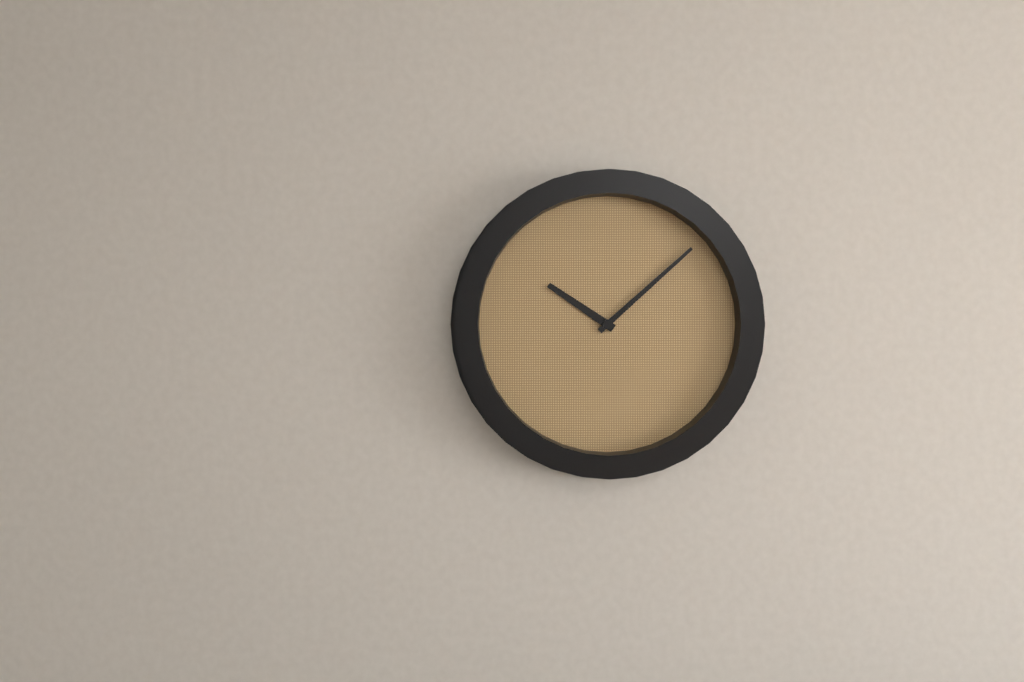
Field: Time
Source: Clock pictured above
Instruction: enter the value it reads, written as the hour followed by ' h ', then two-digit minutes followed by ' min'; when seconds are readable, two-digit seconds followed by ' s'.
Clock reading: 10 h 08 min
